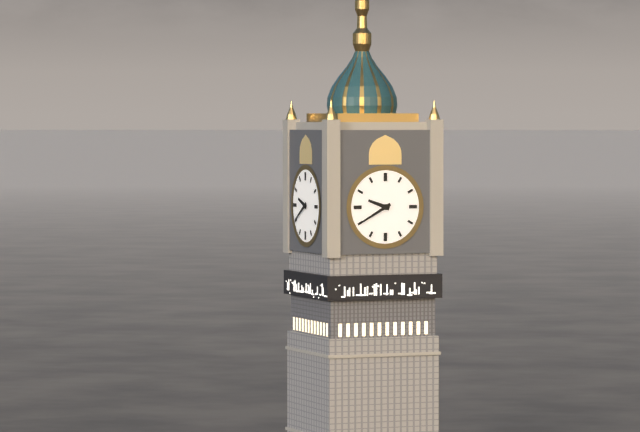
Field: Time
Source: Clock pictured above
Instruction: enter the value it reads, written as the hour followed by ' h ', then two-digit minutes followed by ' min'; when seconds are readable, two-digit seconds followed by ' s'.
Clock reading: 9 h 40 min
